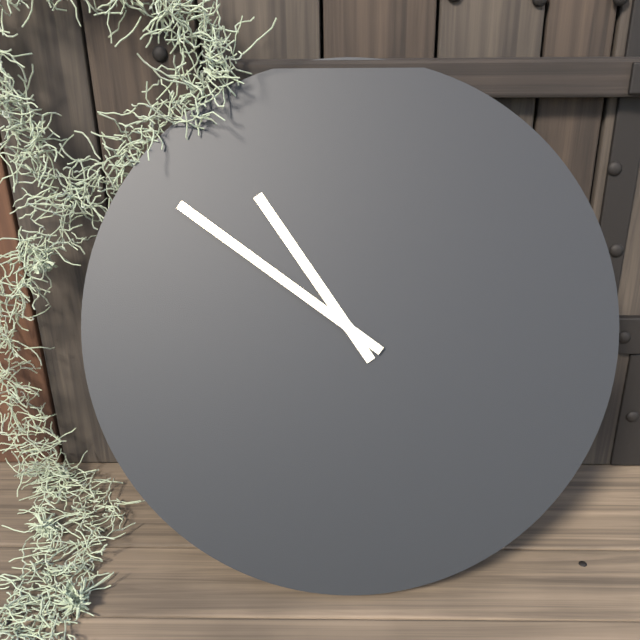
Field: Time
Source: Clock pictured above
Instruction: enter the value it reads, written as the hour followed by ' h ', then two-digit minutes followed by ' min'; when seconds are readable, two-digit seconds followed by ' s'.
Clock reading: 10 h 51 min
